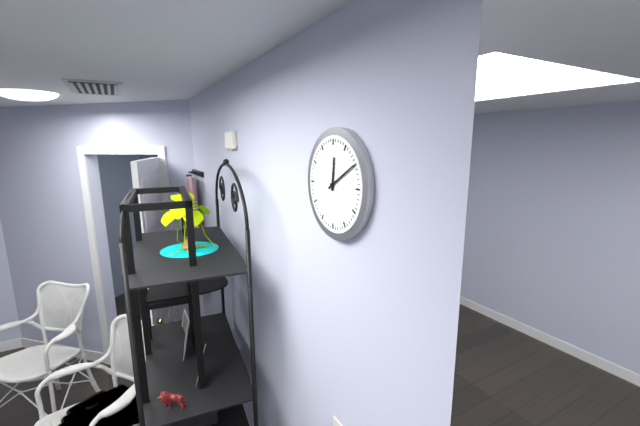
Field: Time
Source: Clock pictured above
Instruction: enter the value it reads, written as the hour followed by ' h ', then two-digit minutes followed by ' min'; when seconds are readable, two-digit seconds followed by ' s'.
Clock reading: 12 h 10 min
